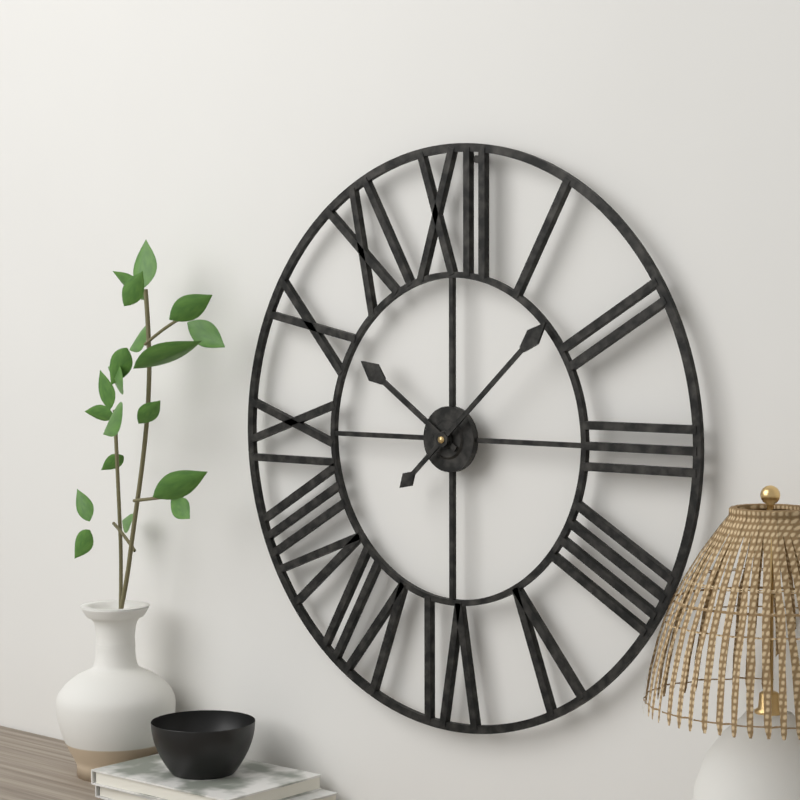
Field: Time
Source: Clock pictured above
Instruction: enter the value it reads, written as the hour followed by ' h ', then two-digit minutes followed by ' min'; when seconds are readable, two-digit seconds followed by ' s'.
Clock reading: 10 h 08 min
